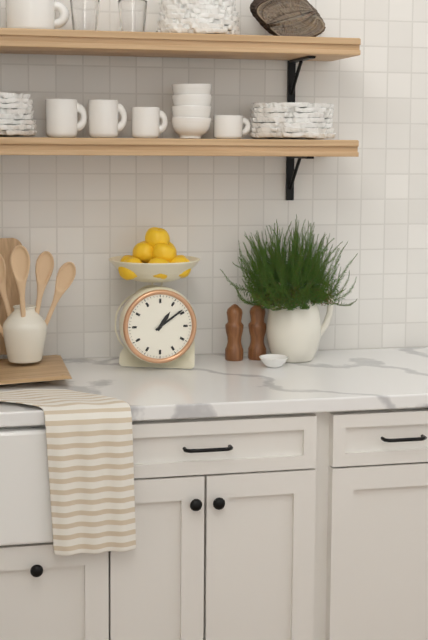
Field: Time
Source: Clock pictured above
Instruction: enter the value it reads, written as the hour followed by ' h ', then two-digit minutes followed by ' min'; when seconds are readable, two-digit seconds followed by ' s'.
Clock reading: 1 h 09 min
